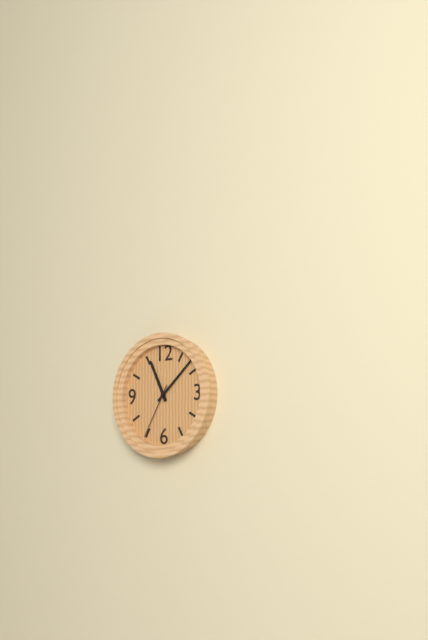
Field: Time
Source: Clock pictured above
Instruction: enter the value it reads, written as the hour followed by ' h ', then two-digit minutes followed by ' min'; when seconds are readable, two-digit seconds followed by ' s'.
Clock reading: 11 h 08 min 35 s
